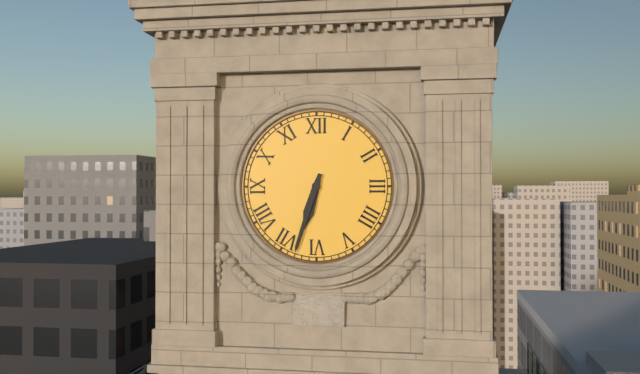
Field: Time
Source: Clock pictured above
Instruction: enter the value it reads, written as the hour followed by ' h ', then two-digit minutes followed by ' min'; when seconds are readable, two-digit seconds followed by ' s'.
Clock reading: 6 h 33 min
